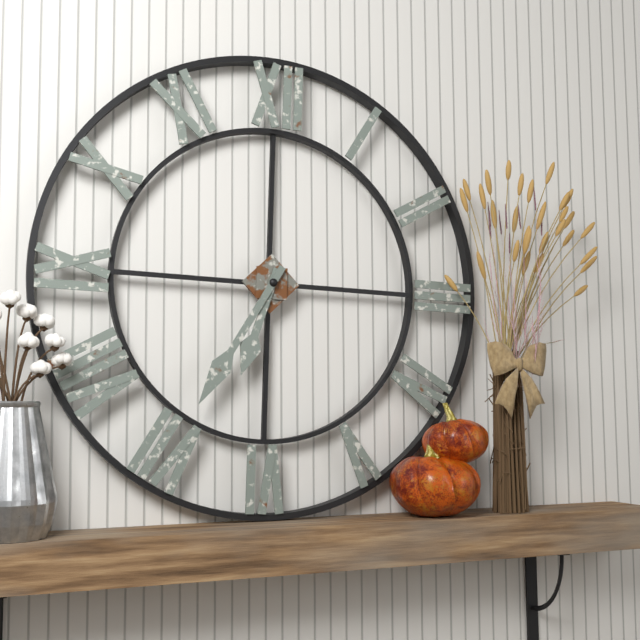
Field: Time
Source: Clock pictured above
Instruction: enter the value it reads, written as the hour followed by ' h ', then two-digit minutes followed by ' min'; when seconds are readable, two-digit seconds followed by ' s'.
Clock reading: 6 h 35 min
